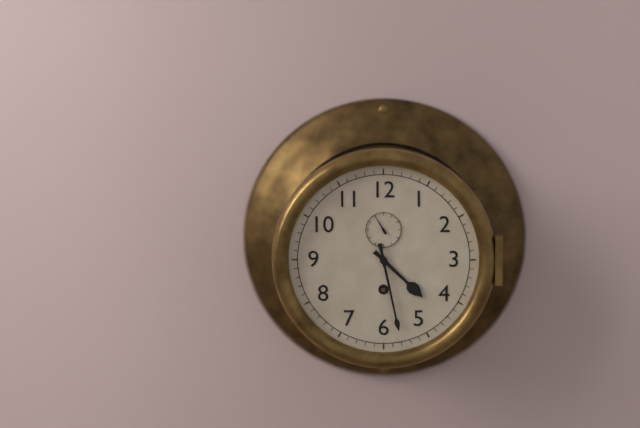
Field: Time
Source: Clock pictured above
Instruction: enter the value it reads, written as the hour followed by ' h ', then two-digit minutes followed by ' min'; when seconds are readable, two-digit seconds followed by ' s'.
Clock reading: 4 h 28 min
